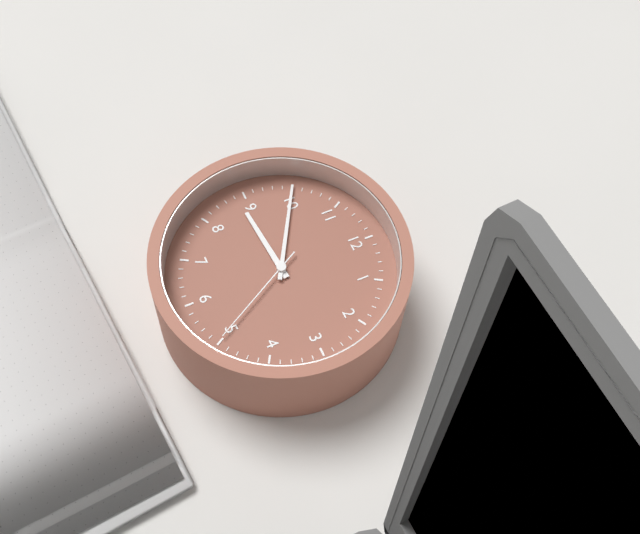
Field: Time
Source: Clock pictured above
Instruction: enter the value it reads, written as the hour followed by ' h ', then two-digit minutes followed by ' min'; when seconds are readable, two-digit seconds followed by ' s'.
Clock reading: 8 h 50 min 25 s
